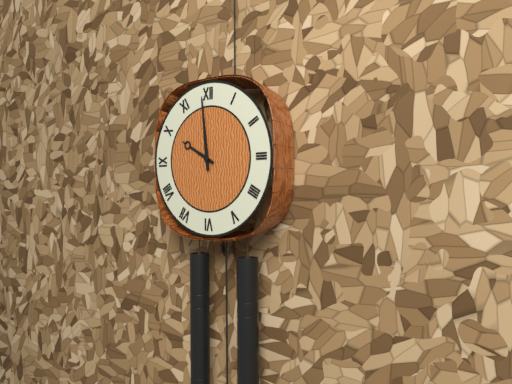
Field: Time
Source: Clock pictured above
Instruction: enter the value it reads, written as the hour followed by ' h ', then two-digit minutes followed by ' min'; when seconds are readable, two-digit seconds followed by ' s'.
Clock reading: 9 h 59 min
